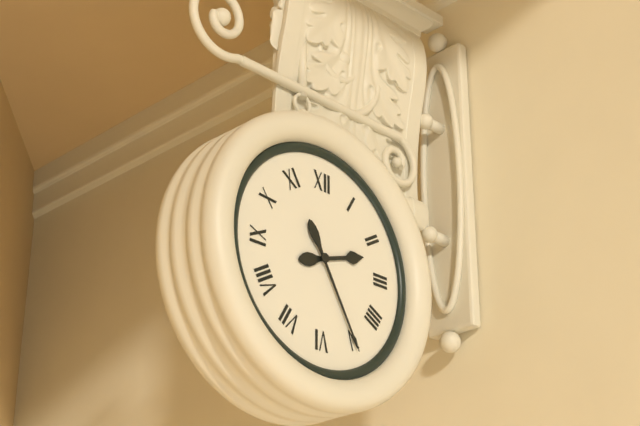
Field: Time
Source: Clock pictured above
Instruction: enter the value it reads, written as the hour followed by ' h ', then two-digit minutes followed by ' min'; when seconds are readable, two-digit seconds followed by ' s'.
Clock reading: 2 h 25 min
